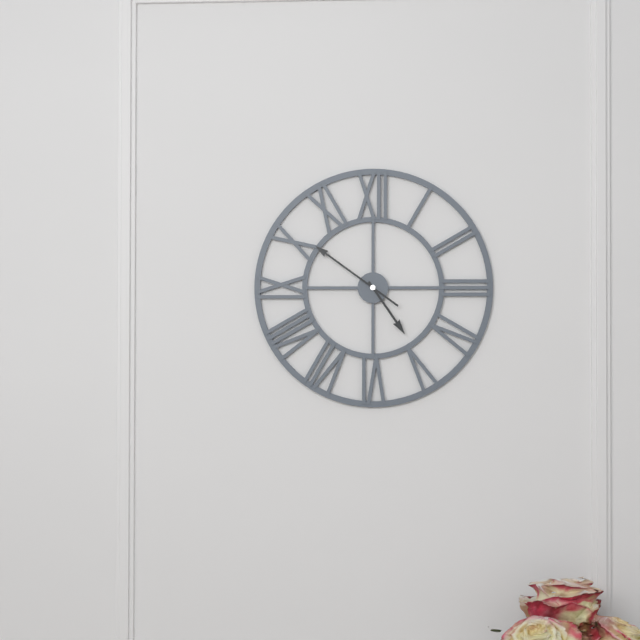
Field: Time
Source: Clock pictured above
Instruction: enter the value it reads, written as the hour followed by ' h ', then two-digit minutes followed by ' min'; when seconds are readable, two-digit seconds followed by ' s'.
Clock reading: 4 h 51 min
